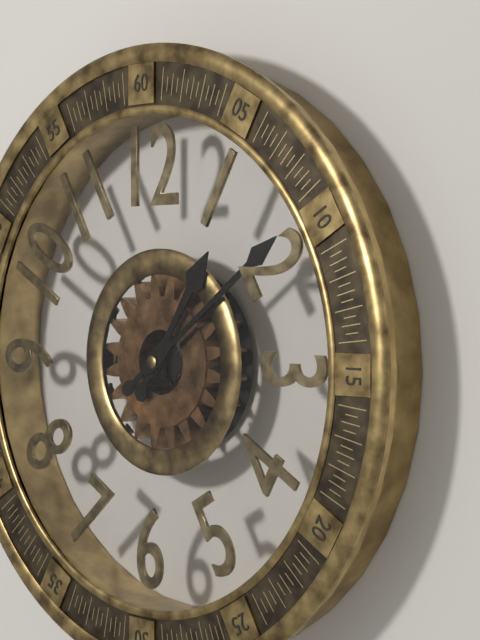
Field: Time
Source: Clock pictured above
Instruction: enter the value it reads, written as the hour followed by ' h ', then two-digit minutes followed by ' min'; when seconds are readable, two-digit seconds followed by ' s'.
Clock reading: 1 h 09 min
